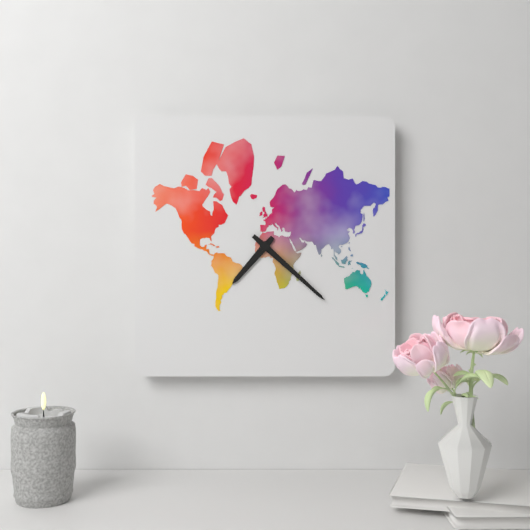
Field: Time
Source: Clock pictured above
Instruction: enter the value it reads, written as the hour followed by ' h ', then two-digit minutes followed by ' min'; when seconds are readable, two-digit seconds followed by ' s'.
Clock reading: 7 h 22 min
